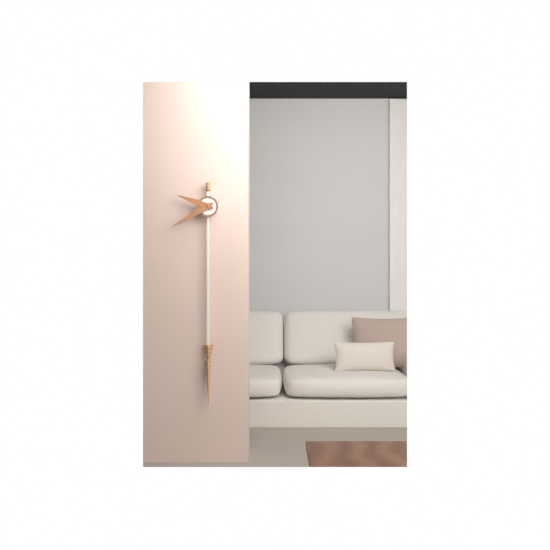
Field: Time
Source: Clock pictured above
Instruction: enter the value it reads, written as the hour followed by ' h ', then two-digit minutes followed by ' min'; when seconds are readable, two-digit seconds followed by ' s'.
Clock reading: 9 h 40 min
